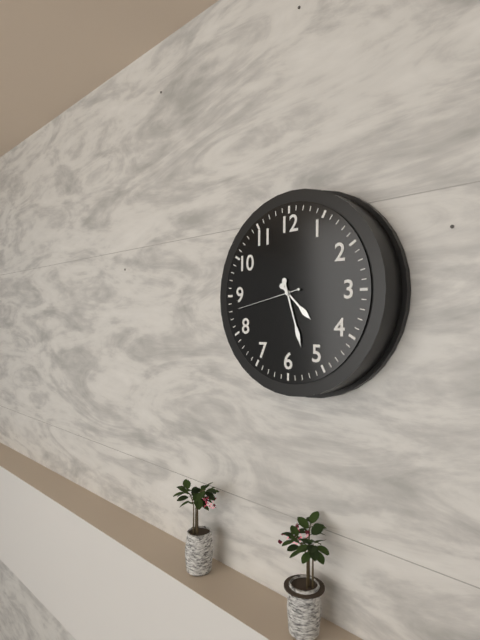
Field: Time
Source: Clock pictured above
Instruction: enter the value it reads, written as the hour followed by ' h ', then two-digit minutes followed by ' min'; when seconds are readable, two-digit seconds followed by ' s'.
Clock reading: 4 h 27 min 43 s
